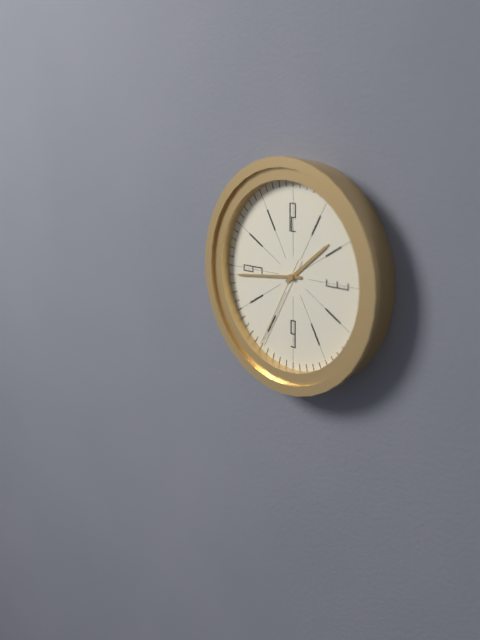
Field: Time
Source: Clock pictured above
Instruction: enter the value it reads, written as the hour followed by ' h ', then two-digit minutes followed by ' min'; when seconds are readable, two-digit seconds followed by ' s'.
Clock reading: 1 h 44 min 35 s
